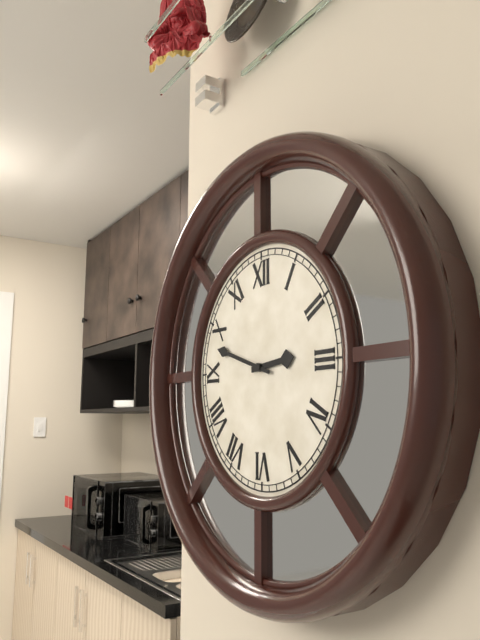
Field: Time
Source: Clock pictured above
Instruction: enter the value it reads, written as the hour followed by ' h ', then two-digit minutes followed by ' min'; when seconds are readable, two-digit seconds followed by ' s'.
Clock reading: 2 h 48 min
